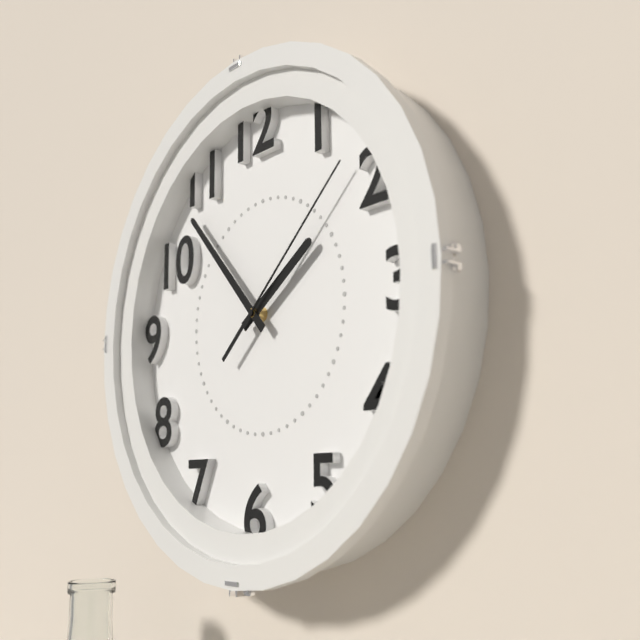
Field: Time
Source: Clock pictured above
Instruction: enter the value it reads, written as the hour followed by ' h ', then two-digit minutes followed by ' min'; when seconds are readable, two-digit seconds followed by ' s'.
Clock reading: 1 h 53 min 08 s
